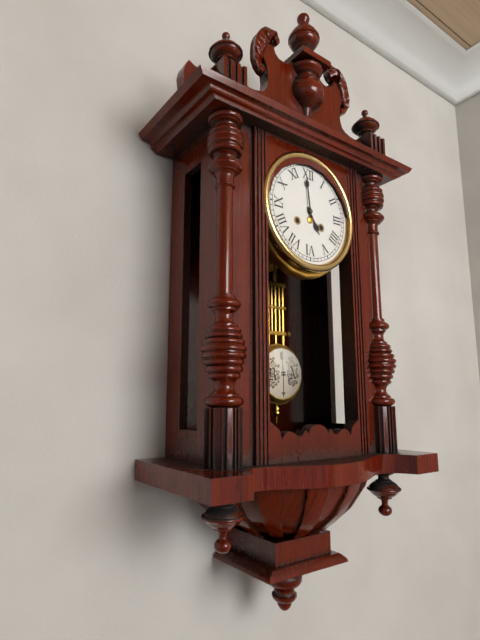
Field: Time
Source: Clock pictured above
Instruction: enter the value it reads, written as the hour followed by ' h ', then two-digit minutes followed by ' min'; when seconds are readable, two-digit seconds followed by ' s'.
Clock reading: 4 h 59 min
